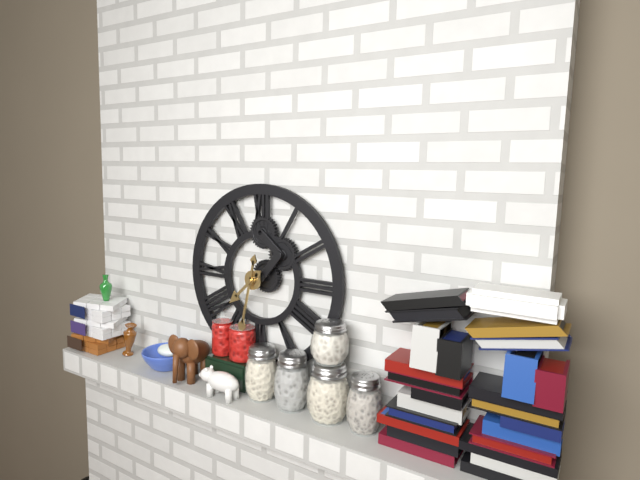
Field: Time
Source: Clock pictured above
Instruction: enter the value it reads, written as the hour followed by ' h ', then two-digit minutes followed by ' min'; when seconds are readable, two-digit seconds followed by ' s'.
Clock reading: 7 h 32 min
